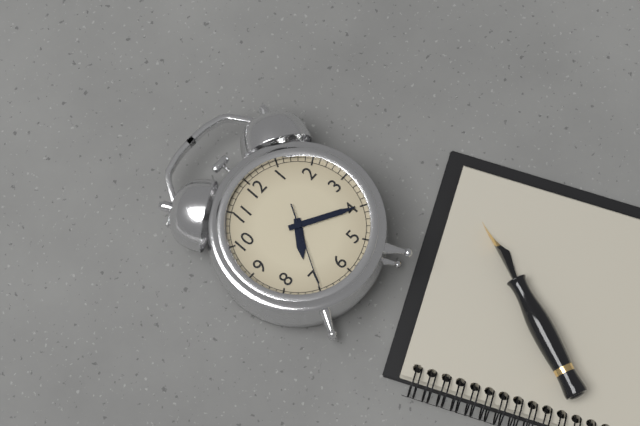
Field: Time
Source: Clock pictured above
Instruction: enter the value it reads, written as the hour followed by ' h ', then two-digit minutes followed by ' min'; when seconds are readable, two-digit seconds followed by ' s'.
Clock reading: 7 h 20 min 35 s
